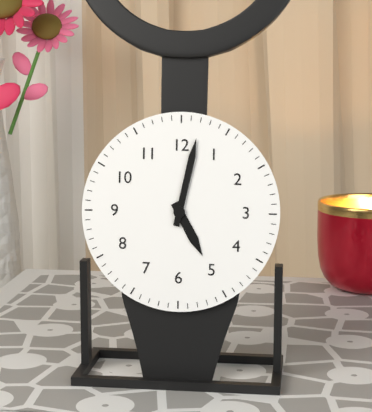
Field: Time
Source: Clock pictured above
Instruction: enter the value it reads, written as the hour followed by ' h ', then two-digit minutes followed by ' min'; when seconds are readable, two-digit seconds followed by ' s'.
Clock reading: 5 h 02 min
